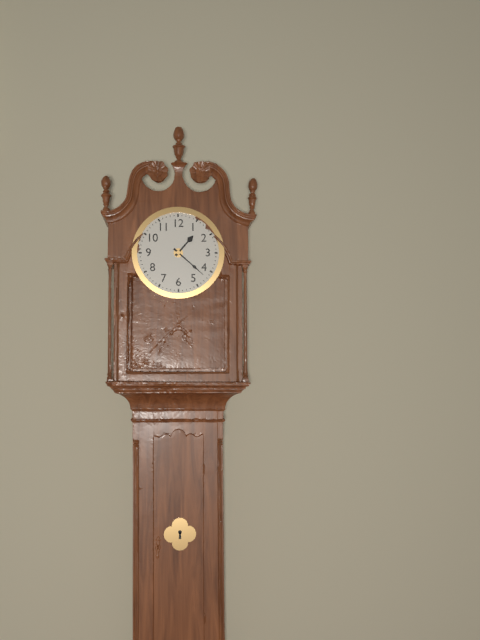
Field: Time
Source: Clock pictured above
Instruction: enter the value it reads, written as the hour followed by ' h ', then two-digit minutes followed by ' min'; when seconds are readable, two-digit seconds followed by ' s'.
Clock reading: 1 h 22 min
